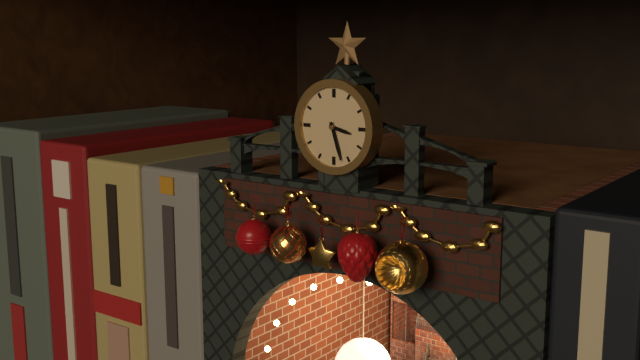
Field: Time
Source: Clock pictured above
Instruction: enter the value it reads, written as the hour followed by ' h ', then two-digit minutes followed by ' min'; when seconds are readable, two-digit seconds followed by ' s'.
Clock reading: 3 h 27 min
